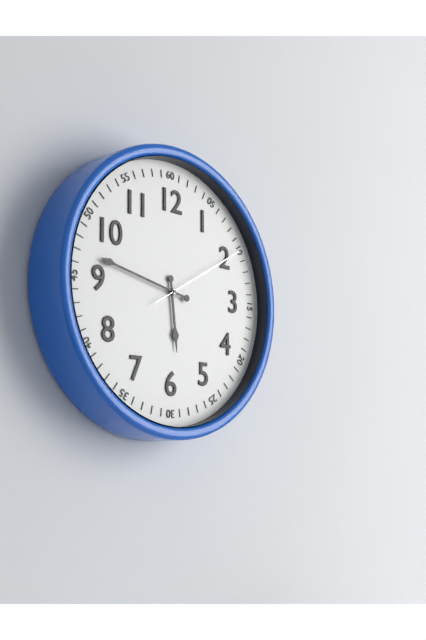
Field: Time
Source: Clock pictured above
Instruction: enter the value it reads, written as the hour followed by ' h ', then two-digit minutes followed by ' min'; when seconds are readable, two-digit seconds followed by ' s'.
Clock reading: 5 h 47 min 10 s
